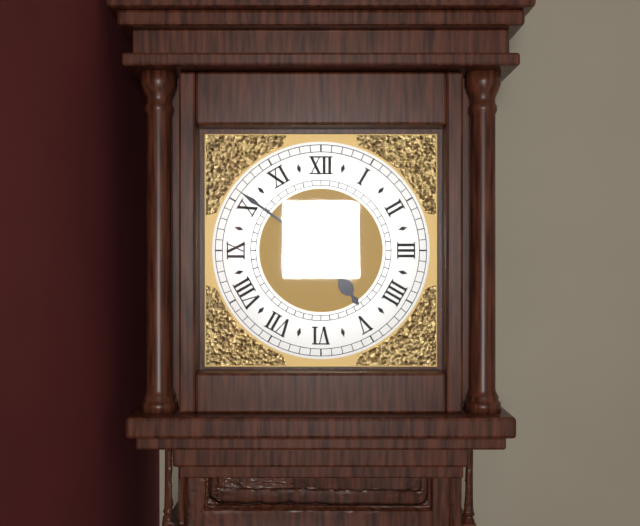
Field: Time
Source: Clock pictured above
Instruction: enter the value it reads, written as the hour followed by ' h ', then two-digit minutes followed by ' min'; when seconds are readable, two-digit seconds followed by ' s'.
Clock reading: 4 h 51 min
